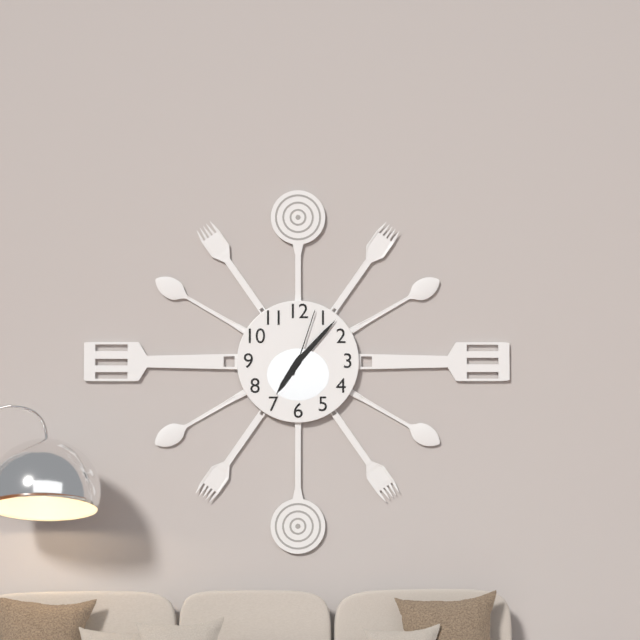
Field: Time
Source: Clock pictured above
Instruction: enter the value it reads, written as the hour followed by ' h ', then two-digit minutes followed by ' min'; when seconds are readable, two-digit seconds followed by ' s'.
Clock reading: 7 h 07 min 03 s
